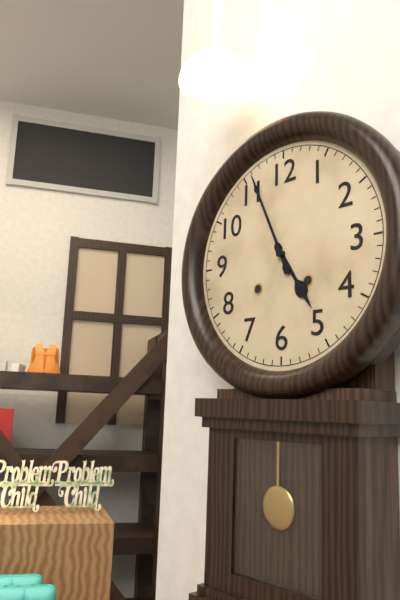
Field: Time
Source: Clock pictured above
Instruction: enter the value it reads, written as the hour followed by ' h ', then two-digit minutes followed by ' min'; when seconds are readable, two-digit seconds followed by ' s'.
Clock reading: 4 h 56 min
